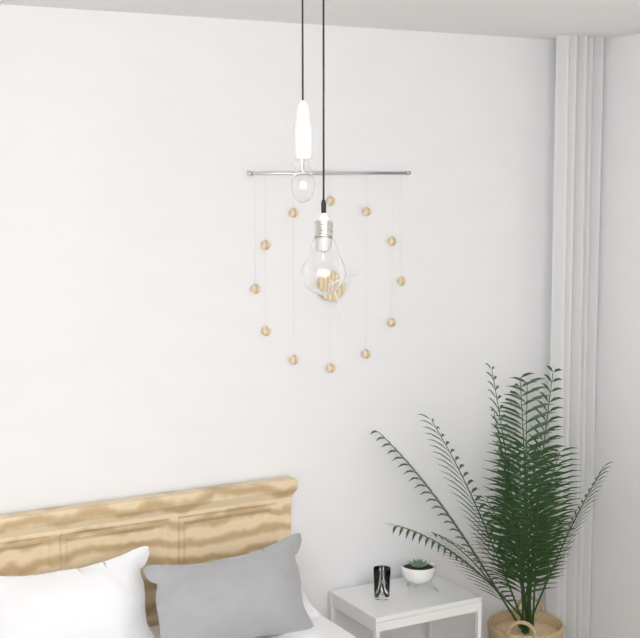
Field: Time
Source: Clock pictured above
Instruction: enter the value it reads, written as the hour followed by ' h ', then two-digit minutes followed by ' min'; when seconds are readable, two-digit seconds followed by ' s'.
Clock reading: 2 h 27 min
